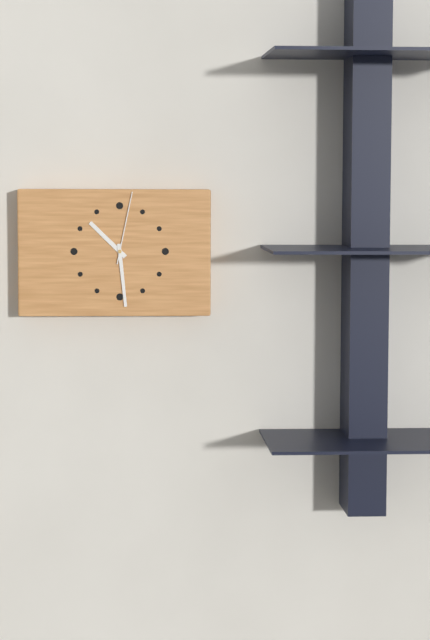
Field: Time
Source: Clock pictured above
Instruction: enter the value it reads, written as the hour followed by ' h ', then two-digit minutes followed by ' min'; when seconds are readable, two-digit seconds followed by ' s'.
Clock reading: 10 h 29 min 02 s
